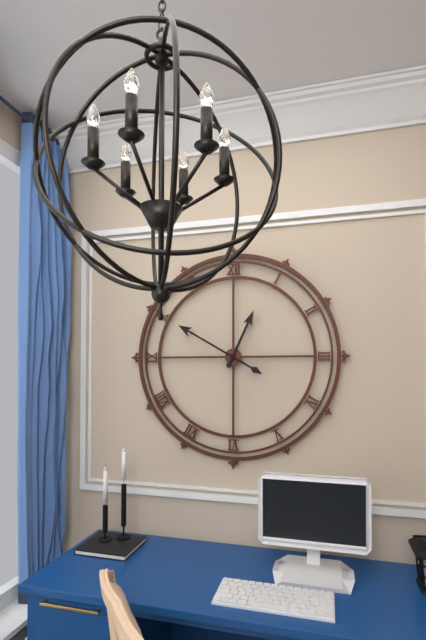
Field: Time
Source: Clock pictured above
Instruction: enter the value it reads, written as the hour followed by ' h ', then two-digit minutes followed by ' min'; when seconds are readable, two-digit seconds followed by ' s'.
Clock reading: 12 h 50 min
